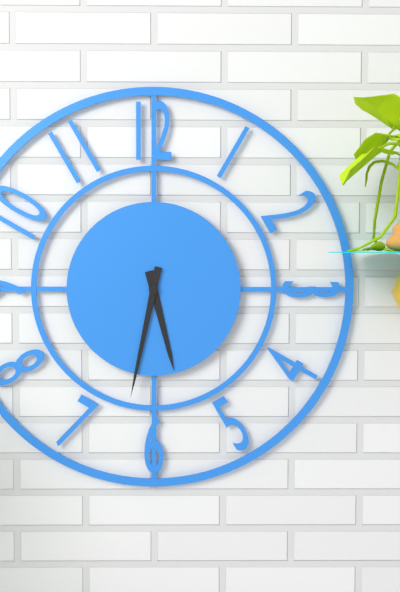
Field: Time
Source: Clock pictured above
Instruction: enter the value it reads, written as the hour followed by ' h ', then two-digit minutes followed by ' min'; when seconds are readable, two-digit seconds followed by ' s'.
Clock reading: 5 h 32 min
